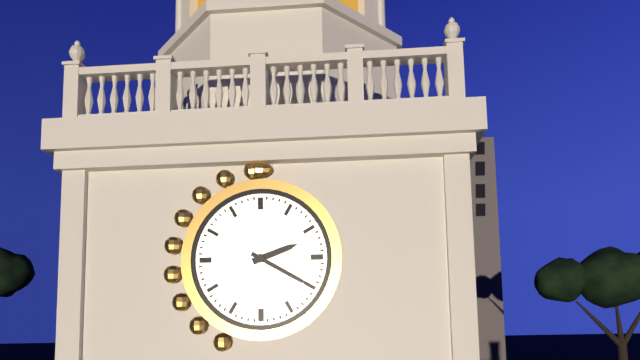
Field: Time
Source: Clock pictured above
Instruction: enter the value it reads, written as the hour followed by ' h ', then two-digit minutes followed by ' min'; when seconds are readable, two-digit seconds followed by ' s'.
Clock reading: 2 h 20 min
